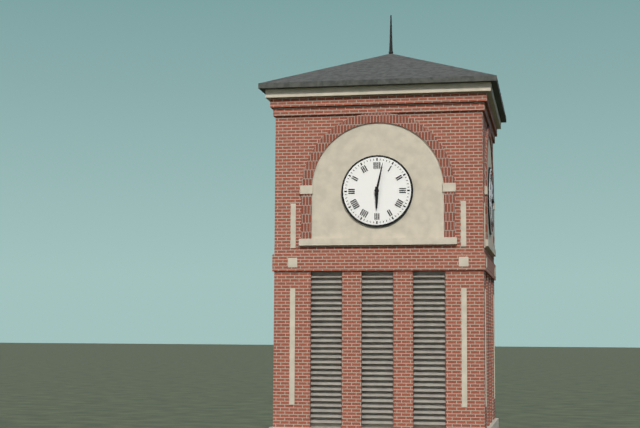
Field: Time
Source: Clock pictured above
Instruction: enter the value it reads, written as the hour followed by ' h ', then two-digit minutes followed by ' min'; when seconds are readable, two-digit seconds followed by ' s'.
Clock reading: 6 h 02 min
